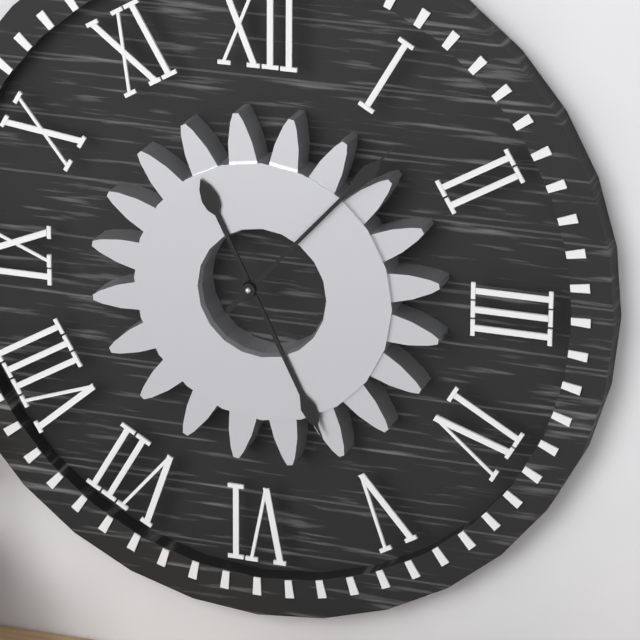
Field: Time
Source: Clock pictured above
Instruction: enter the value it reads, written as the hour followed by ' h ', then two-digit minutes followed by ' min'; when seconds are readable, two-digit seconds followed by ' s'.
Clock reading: 5 h 07 min
